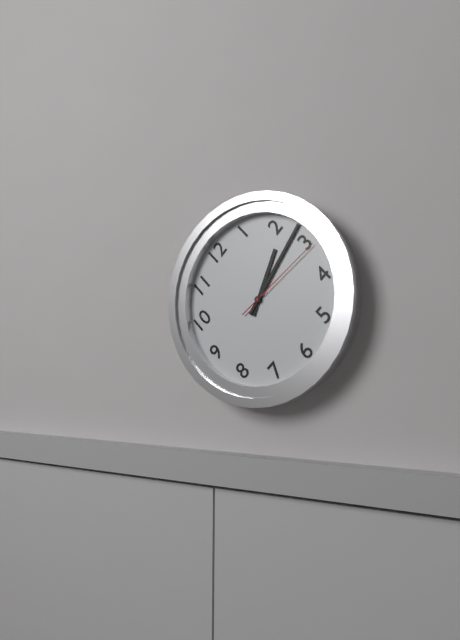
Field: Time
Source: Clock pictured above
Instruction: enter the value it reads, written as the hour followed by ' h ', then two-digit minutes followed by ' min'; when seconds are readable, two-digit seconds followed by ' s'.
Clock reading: 2 h 13 min 16 s
